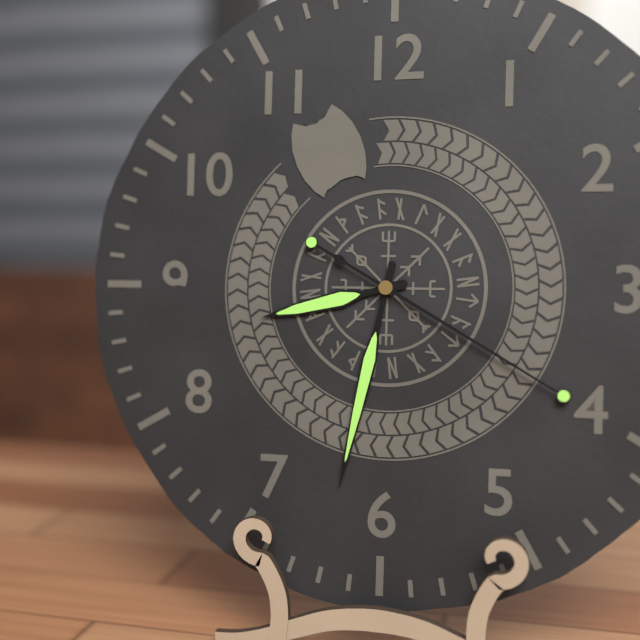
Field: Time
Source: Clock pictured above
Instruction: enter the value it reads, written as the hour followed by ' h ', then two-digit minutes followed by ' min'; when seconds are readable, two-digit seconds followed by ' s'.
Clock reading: 8 h 32 min 20 s
